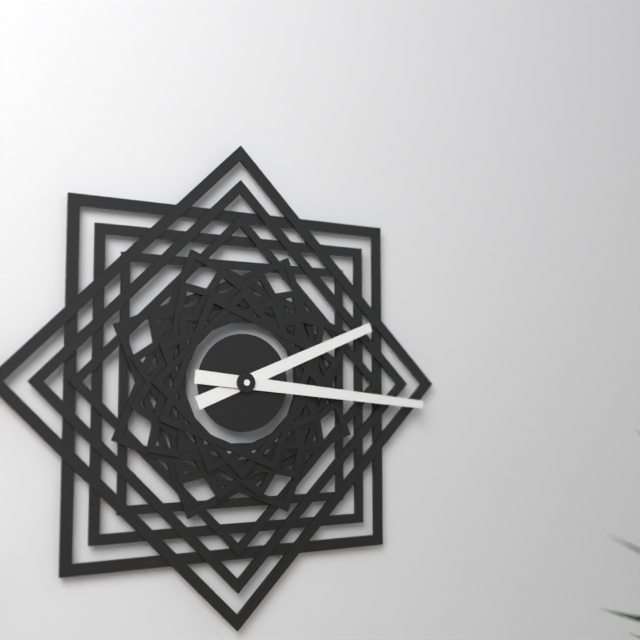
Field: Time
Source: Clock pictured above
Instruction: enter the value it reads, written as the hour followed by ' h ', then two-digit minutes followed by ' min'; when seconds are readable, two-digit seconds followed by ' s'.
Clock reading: 2 h 16 min
